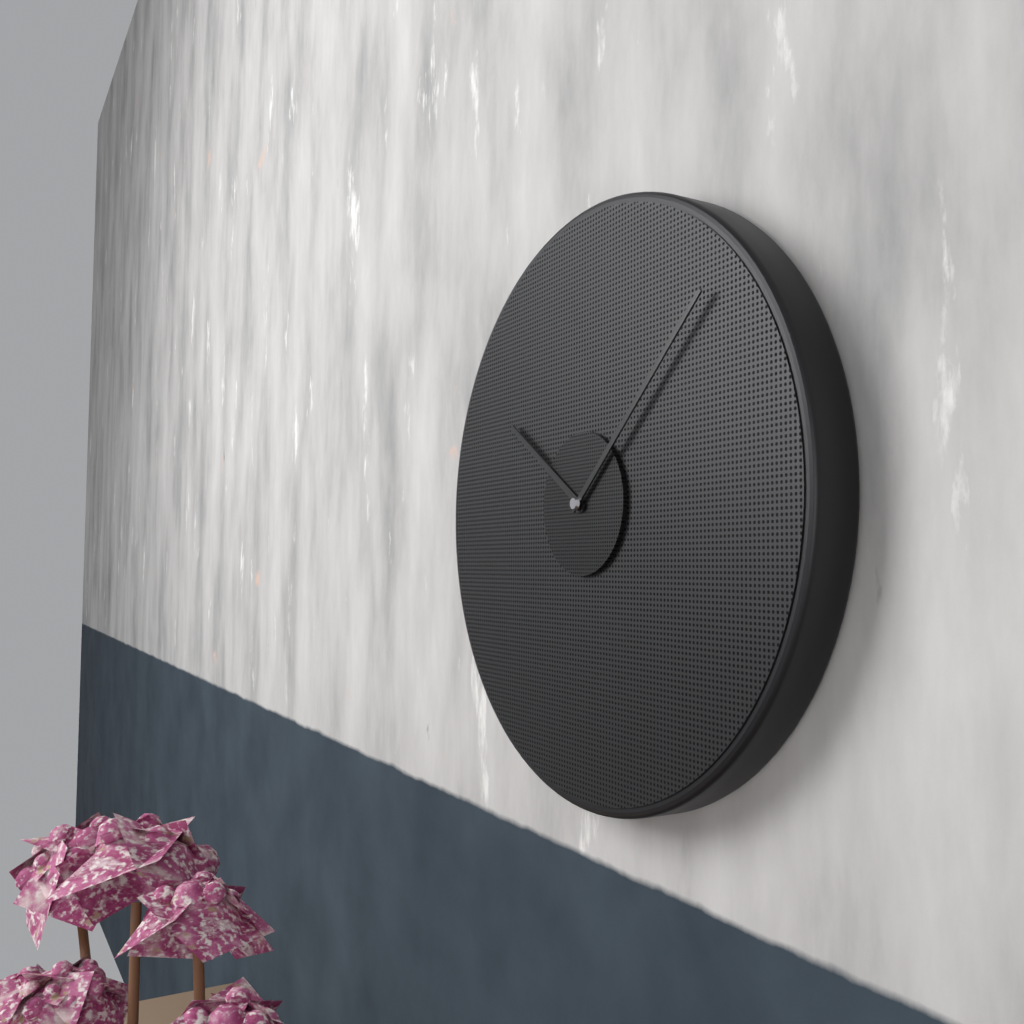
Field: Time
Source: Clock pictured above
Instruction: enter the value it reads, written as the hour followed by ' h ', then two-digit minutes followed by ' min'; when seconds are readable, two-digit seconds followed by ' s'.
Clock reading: 10 h 08 min
